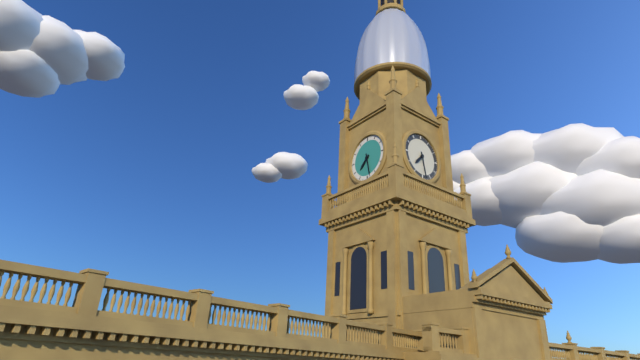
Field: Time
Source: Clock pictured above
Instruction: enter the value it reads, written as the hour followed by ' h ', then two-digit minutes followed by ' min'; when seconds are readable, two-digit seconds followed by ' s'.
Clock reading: 7 h 28 min
